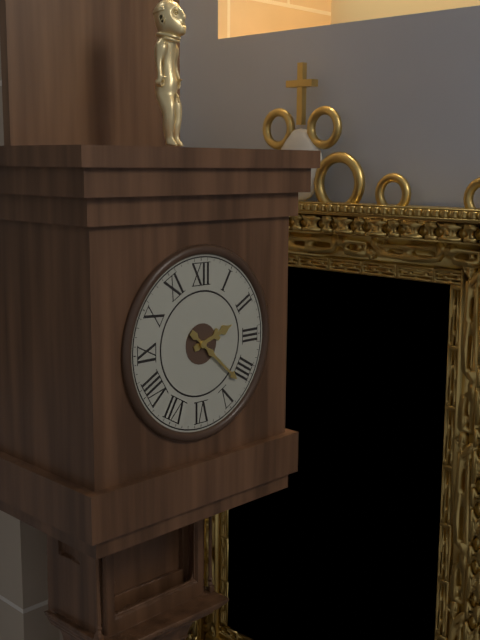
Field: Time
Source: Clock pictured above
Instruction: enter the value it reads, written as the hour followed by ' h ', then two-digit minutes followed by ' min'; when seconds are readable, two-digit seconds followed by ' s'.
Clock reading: 2 h 22 min
